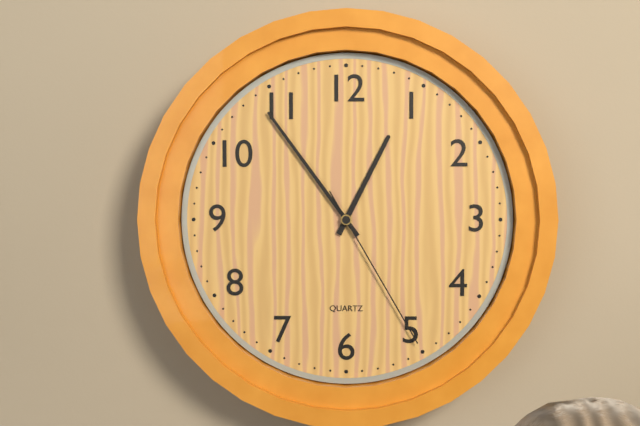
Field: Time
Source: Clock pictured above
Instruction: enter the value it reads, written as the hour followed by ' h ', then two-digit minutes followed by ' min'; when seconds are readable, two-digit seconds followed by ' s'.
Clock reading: 12 h 54 min 25 s
